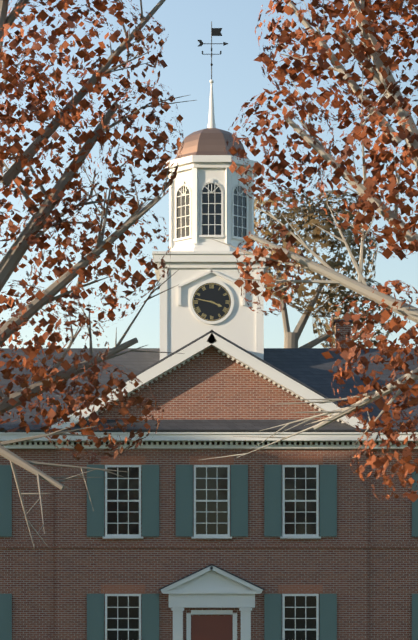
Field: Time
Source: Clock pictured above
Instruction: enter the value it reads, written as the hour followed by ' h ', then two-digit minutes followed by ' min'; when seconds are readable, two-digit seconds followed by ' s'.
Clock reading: 3 h 47 min
